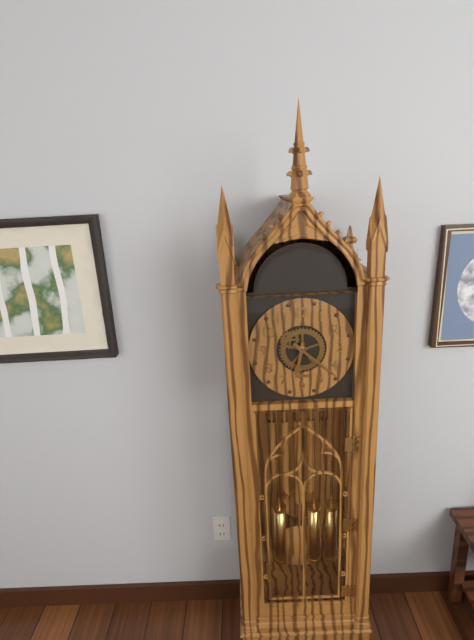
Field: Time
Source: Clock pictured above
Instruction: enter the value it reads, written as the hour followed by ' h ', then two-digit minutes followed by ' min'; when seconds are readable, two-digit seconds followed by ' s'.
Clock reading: 6 h 22 min
